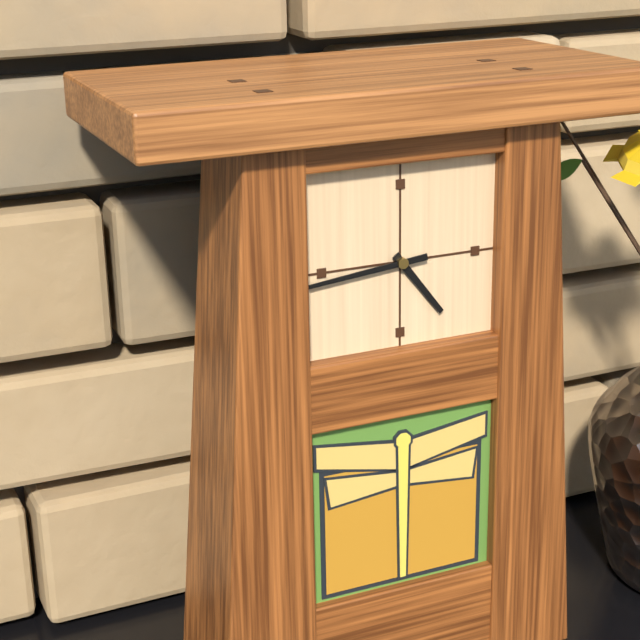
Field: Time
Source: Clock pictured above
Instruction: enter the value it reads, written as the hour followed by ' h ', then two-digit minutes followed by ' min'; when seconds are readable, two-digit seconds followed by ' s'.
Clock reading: 4 h 44 min
